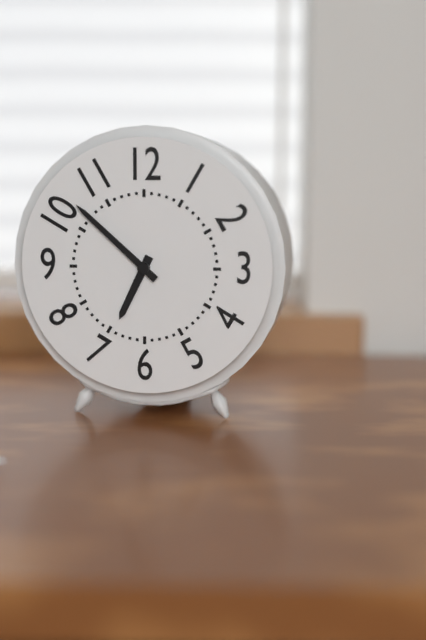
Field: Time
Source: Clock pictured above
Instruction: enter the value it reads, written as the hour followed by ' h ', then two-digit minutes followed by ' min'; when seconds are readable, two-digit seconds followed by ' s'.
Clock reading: 6 h 52 min
